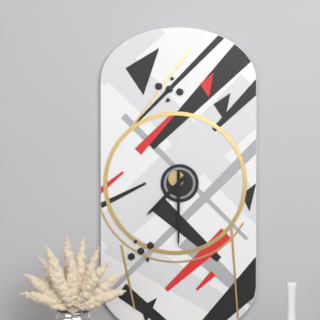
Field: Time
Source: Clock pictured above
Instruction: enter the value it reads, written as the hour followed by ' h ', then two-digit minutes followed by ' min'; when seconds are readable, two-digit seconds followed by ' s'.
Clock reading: 7 h 30 min
